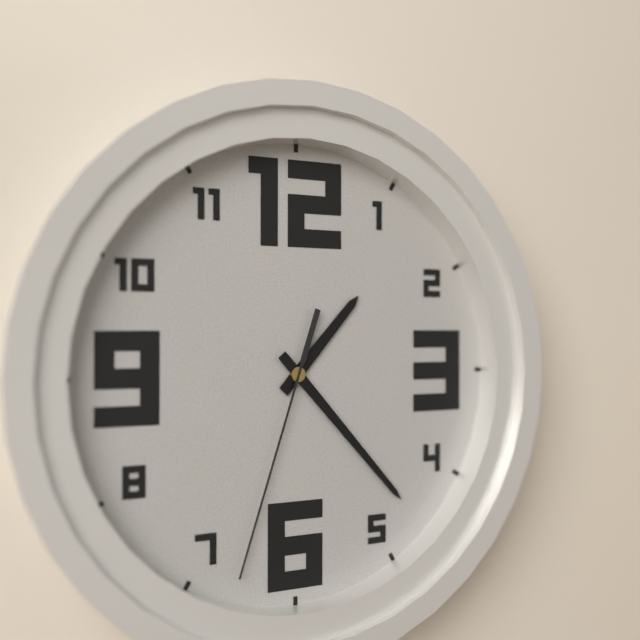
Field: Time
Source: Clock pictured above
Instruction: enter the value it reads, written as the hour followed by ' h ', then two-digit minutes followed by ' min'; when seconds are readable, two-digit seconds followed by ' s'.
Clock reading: 1 h 23 min 33 s
